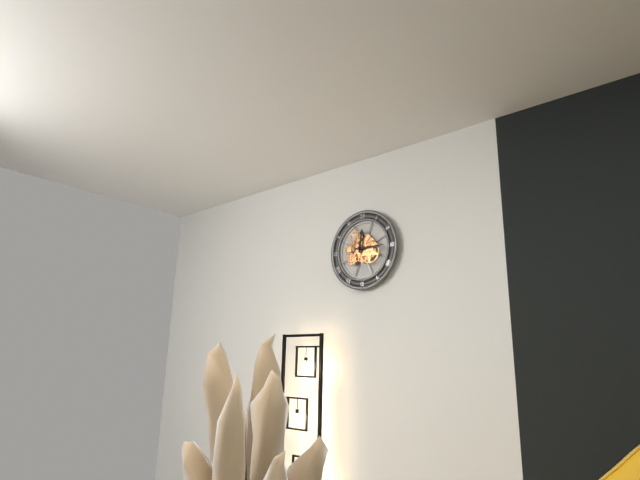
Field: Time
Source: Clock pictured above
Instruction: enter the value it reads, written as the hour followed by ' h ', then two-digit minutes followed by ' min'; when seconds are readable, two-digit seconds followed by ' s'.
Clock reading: 12 h 15 min
